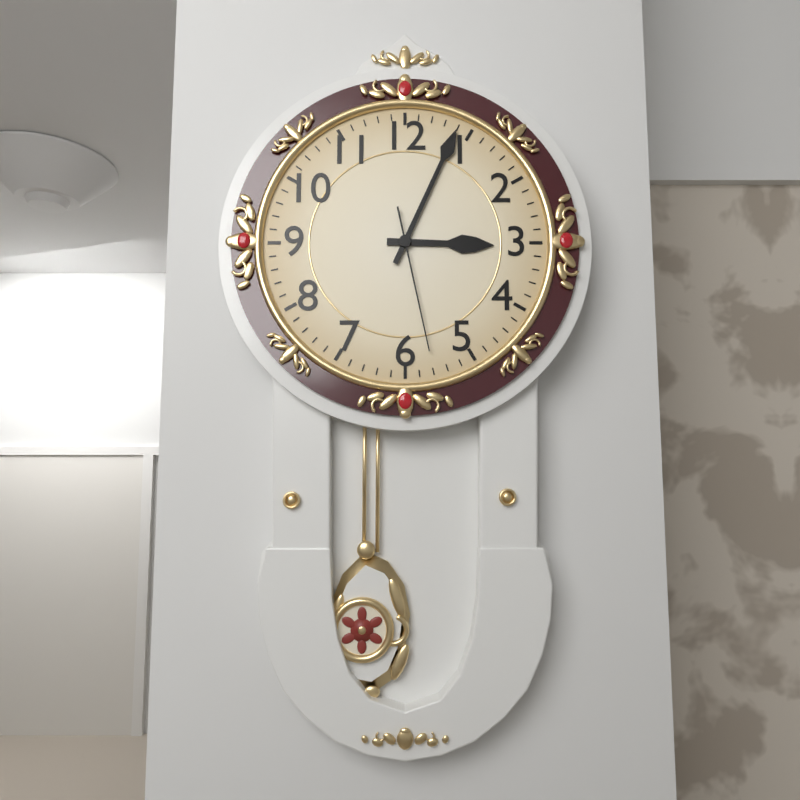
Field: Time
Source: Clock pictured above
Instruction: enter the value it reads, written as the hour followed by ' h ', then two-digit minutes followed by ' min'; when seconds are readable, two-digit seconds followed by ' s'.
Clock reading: 3 h 04 min 28 s
